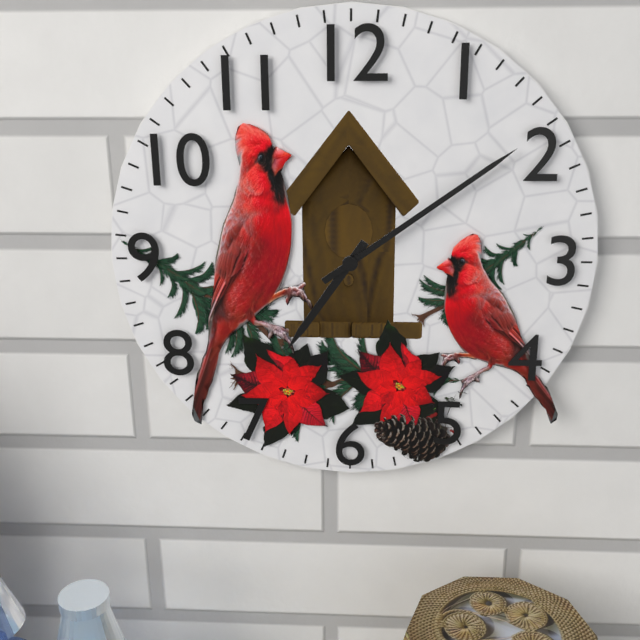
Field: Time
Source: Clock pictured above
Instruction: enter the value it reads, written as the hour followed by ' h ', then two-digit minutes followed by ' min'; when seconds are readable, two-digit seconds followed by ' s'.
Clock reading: 7 h 09 min
